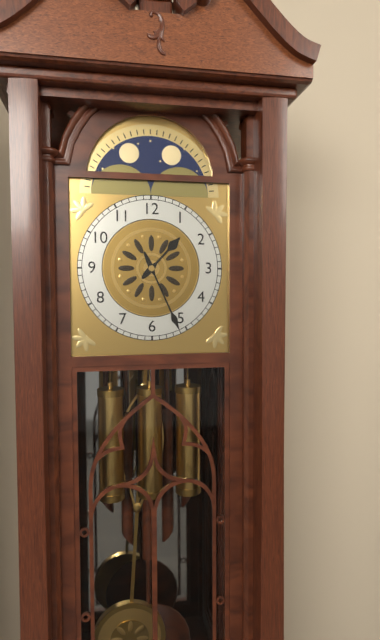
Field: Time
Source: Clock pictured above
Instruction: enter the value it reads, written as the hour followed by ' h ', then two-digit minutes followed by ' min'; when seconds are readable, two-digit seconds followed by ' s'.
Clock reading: 1 h 26 min
